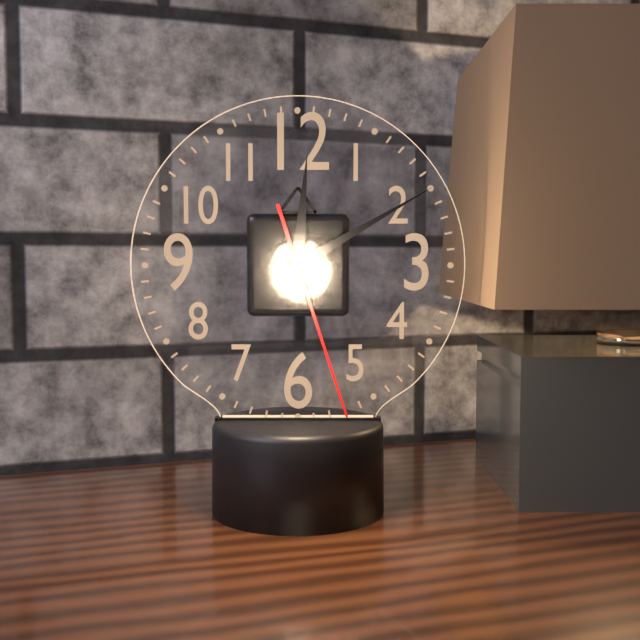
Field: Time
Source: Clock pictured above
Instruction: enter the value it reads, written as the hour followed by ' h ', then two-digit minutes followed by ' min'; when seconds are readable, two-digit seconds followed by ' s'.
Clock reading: 12 h 10 min 27 s
